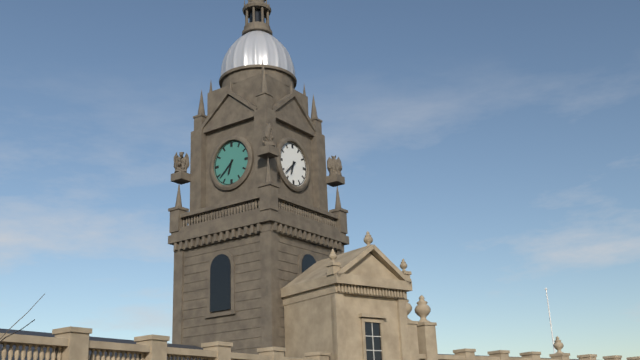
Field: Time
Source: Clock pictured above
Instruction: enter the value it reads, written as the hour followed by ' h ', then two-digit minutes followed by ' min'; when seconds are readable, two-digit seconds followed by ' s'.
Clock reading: 6 h 38 min
